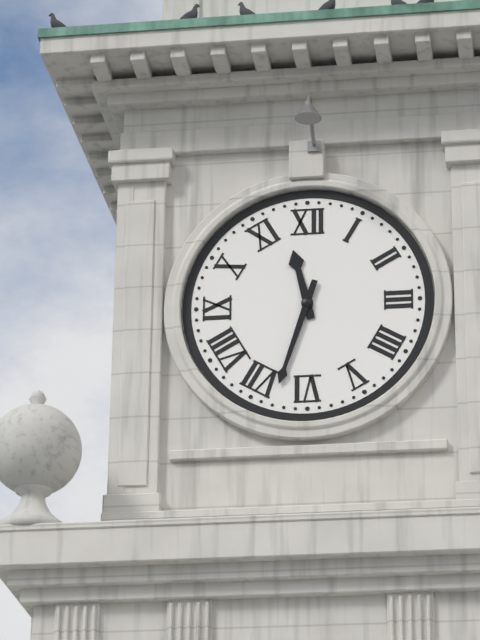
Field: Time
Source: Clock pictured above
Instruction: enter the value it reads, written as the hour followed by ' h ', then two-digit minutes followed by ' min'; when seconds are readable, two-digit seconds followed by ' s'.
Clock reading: 11 h 33 min
